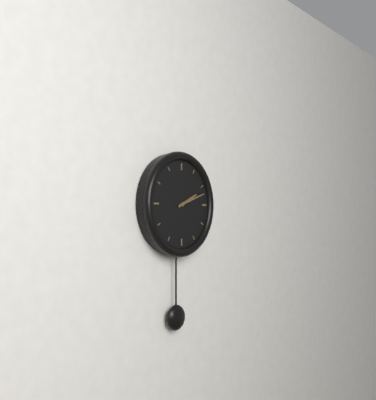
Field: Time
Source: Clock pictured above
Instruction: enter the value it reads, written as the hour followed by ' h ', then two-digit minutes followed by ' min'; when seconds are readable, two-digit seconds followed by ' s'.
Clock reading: 2 h 12 min
